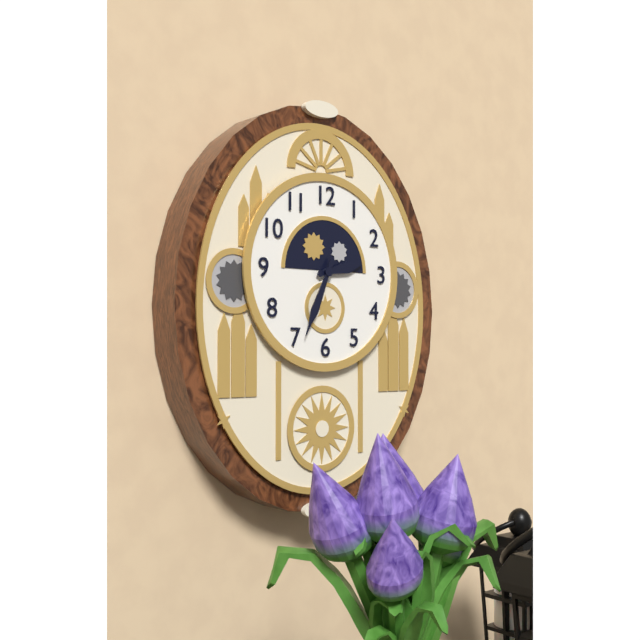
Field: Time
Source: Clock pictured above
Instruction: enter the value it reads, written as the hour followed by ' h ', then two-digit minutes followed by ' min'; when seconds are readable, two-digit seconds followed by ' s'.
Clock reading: 2 h 34 min
